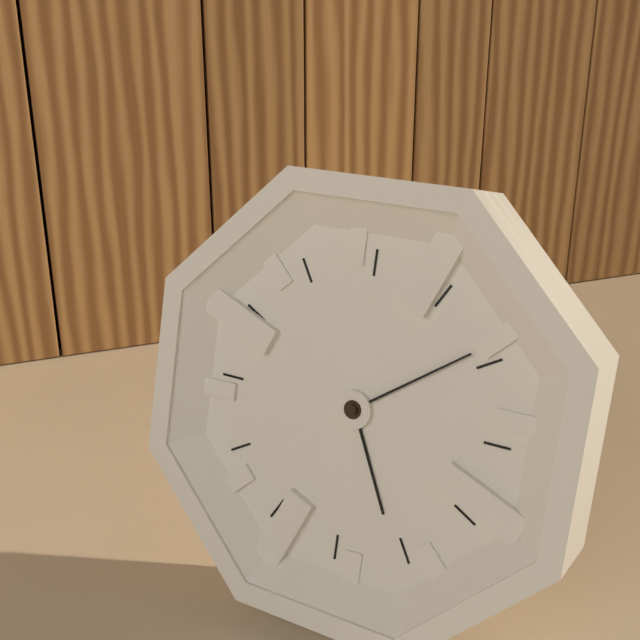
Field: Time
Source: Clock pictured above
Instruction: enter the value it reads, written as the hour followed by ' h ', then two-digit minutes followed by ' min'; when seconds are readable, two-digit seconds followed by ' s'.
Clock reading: 5 h 09 min
